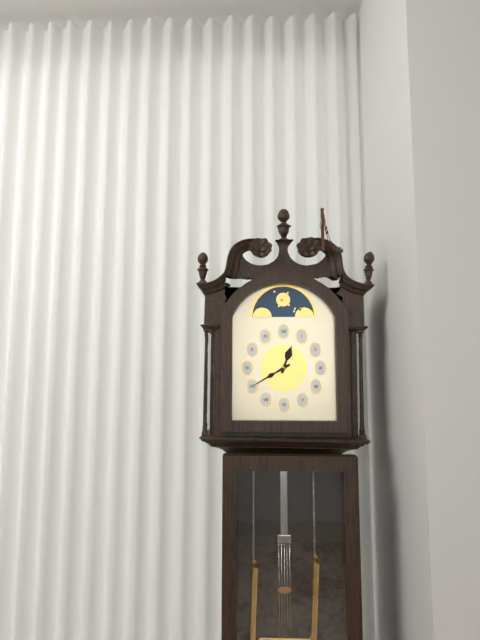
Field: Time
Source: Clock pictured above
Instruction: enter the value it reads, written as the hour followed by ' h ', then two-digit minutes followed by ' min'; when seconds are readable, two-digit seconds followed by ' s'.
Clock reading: 12 h 40 min
